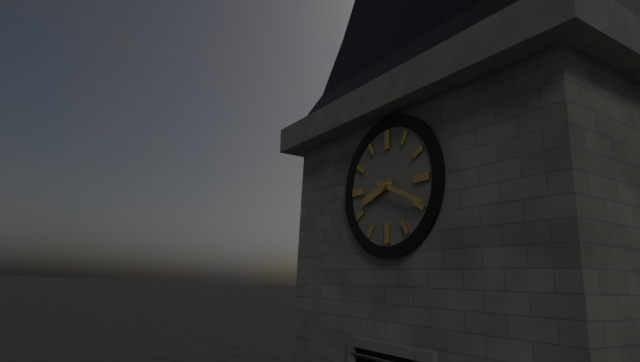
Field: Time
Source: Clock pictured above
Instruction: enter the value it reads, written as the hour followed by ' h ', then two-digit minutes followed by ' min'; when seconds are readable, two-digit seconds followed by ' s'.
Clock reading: 8 h 19 min
